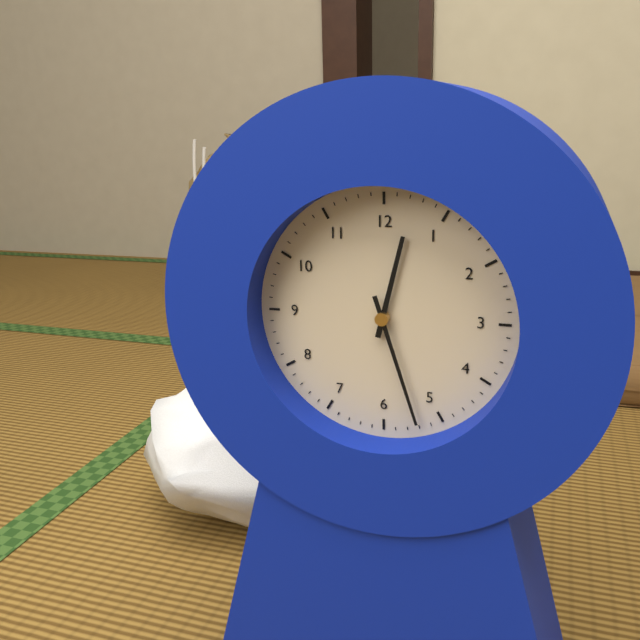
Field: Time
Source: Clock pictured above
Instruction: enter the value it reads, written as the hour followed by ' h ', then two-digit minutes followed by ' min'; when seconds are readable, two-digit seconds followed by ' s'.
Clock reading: 12 h 27 min
